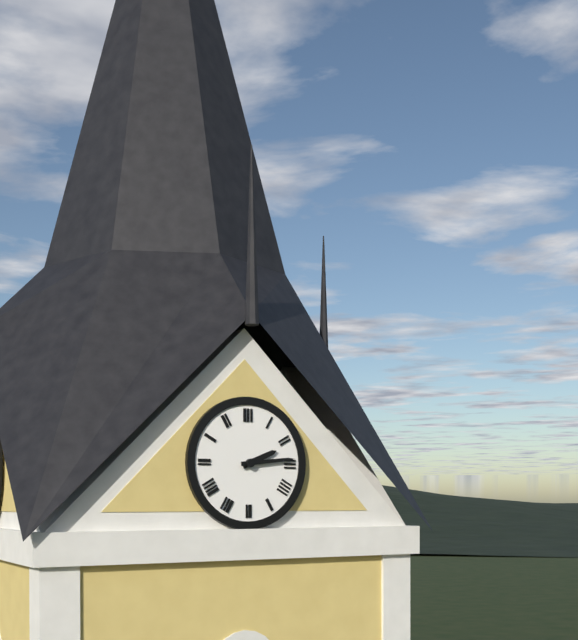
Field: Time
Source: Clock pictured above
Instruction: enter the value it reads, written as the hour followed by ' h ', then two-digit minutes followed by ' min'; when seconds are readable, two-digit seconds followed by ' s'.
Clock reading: 2 h 14 min
